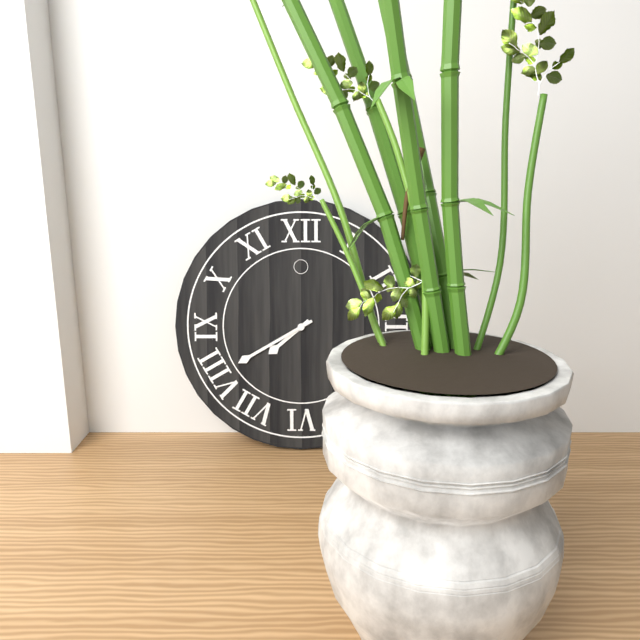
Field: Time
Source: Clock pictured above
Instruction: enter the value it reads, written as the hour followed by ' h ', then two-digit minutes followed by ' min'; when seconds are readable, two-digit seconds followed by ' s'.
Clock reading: 7 h 40 min
